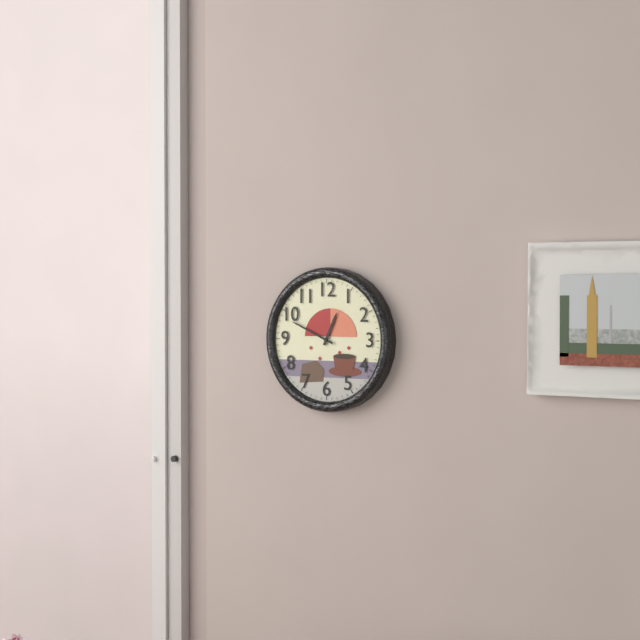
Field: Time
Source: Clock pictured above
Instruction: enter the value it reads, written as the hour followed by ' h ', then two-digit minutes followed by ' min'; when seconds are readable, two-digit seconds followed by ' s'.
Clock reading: 12 h 49 min
